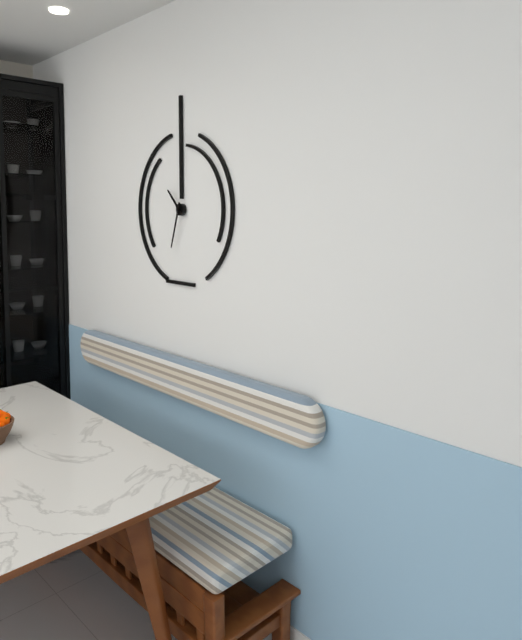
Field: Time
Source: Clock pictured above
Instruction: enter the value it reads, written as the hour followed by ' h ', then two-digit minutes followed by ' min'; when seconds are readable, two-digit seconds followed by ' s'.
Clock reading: 10 h 33 min
